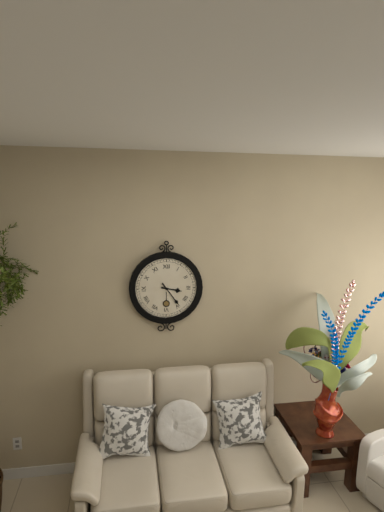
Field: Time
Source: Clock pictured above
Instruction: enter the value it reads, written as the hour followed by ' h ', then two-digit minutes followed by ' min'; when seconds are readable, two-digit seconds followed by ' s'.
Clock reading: 3 h 24 min
